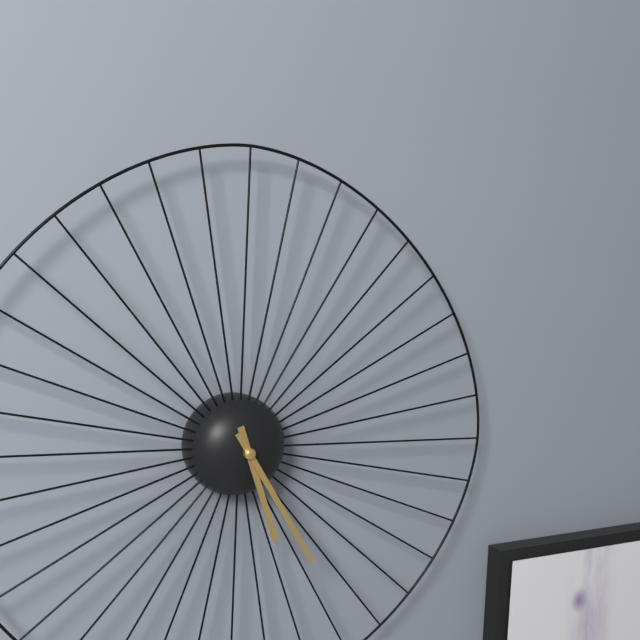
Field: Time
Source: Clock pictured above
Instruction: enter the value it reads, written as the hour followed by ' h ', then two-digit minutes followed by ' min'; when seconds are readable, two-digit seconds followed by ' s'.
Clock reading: 5 h 25 min
